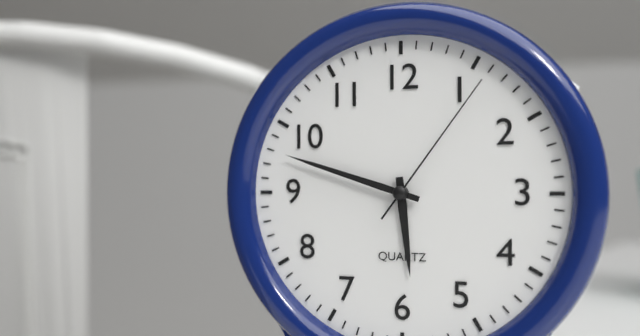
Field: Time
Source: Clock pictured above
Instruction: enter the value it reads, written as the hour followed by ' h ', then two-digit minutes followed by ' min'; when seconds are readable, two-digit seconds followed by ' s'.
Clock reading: 5 h 48 min 06 s
